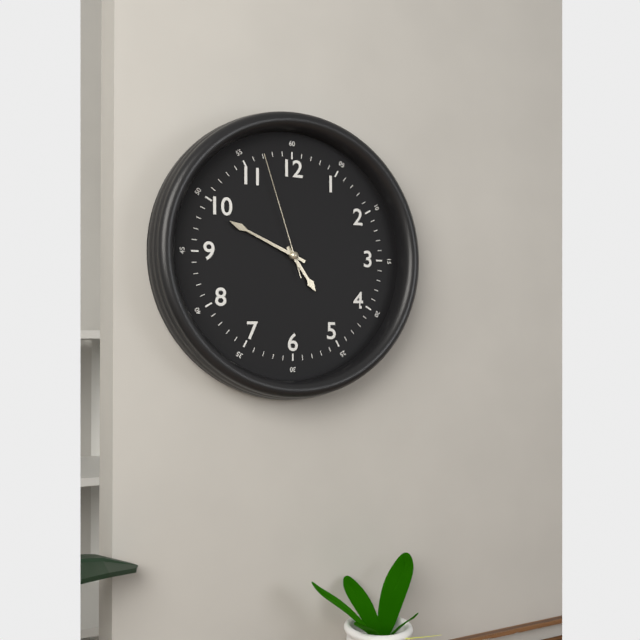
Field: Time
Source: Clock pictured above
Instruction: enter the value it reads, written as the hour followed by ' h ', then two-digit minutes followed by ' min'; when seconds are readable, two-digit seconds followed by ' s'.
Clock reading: 4 h 49 min 57 s
